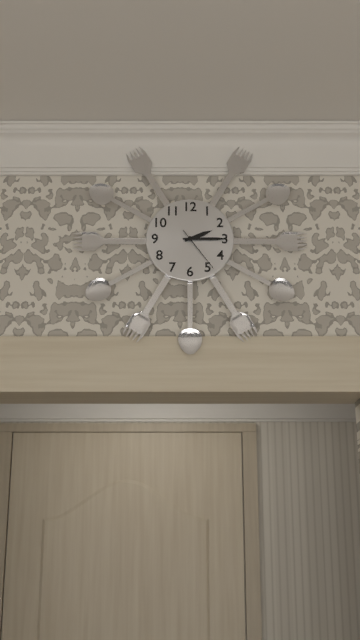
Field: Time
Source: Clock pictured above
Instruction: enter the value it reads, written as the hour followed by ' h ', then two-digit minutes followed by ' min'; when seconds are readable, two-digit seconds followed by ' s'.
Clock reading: 2 h 15 min
